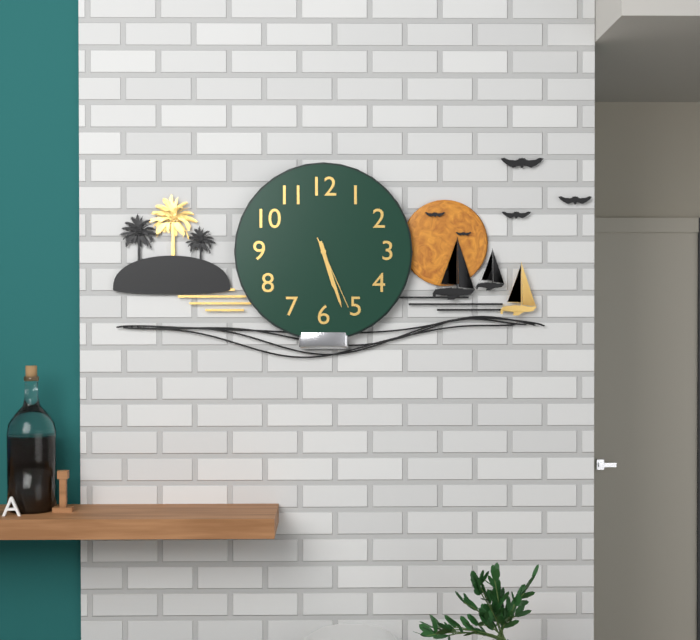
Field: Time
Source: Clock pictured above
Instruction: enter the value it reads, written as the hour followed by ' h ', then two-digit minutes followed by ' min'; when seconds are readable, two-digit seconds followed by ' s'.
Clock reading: 5 h 27 min 26 s
